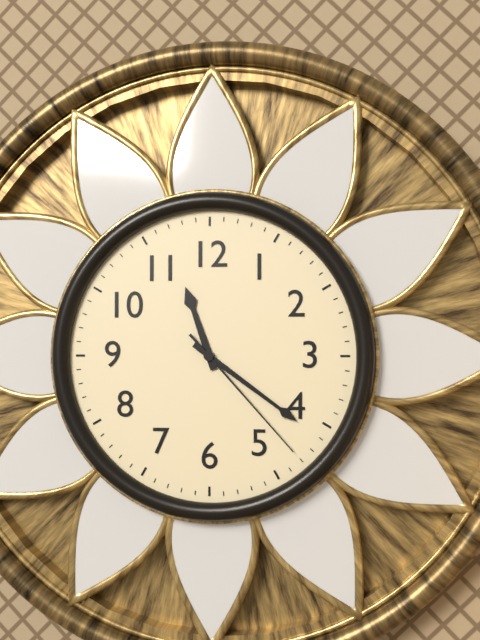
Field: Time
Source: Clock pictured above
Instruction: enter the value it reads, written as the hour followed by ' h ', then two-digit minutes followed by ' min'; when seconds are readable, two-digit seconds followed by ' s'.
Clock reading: 11 h 21 min 23 s
